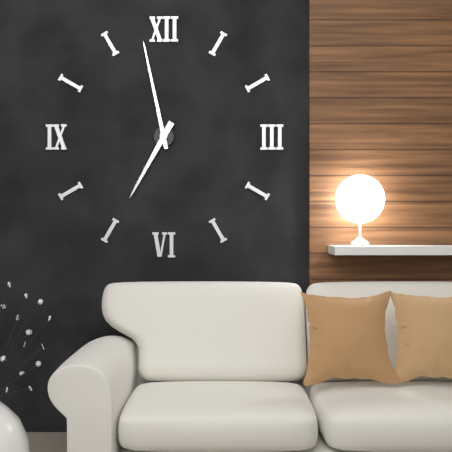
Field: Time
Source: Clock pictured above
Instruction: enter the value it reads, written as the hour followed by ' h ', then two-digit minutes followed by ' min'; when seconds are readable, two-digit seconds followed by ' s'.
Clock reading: 6 h 58 min
